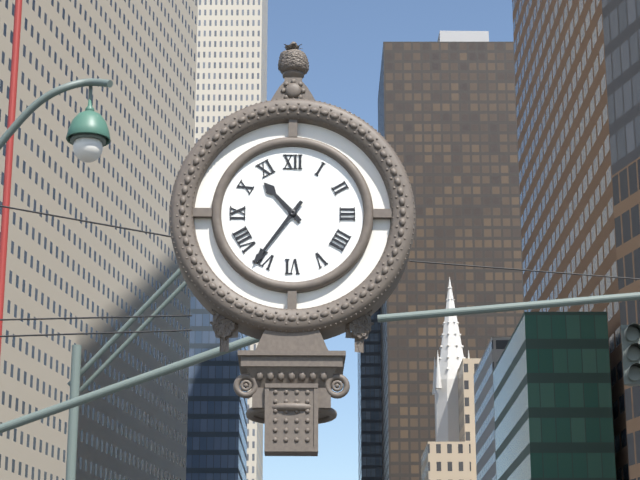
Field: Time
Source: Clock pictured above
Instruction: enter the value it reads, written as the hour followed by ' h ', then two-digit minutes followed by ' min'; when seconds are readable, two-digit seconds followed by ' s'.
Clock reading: 10 h 36 min
